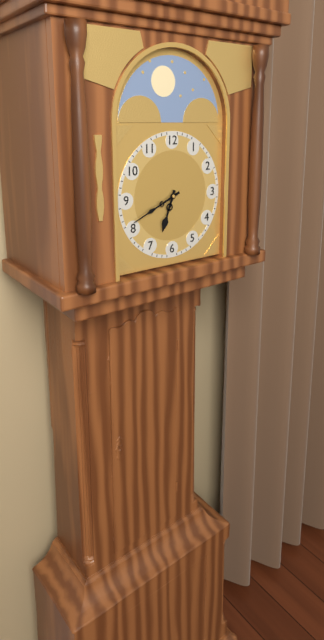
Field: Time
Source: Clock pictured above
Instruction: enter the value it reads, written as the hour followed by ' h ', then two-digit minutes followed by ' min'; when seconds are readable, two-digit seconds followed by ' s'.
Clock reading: 6 h 41 min
